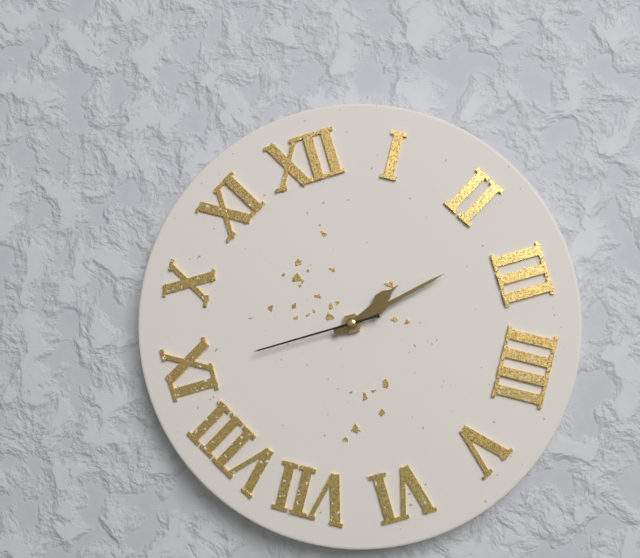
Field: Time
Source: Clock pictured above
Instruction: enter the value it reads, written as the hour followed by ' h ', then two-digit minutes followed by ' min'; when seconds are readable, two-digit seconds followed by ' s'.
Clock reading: 2 h 13 min 45 s
